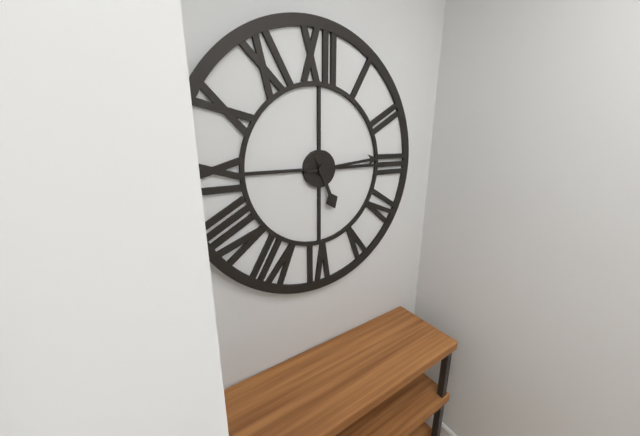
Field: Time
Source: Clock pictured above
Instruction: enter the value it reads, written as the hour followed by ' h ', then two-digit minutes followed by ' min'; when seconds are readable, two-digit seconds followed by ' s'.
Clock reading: 5 h 14 min
